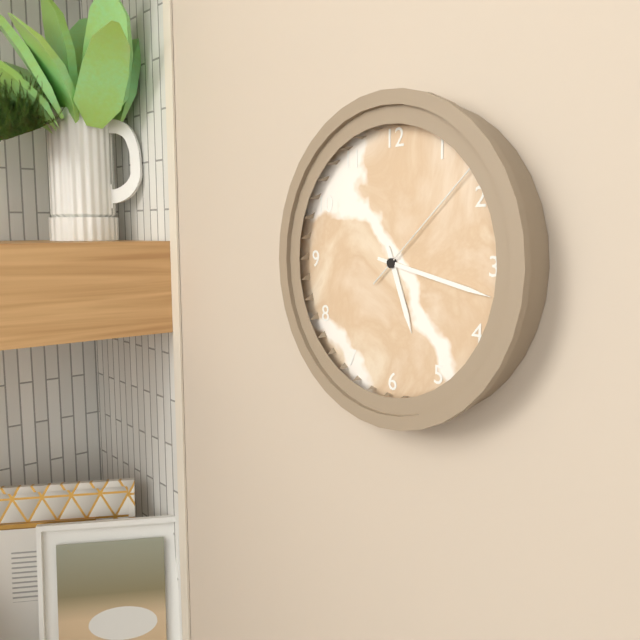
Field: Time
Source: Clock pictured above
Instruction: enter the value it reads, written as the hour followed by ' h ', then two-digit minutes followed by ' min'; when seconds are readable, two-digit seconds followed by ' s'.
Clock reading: 5 h 17 min 08 s
